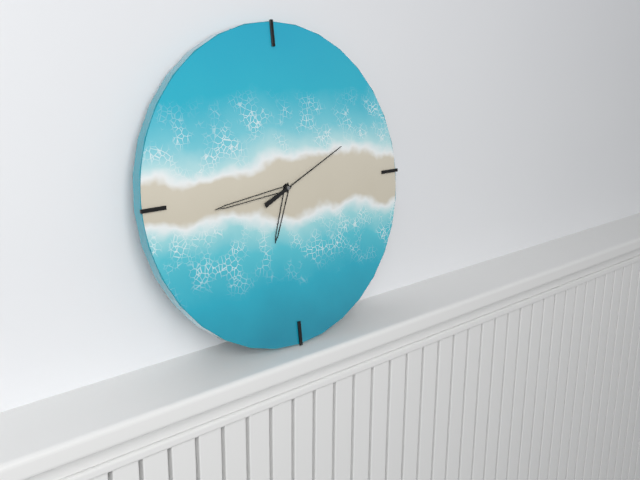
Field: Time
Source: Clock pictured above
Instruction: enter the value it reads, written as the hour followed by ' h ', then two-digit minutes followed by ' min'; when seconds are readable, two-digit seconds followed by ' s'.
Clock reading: 6 h 44 min 11 s
